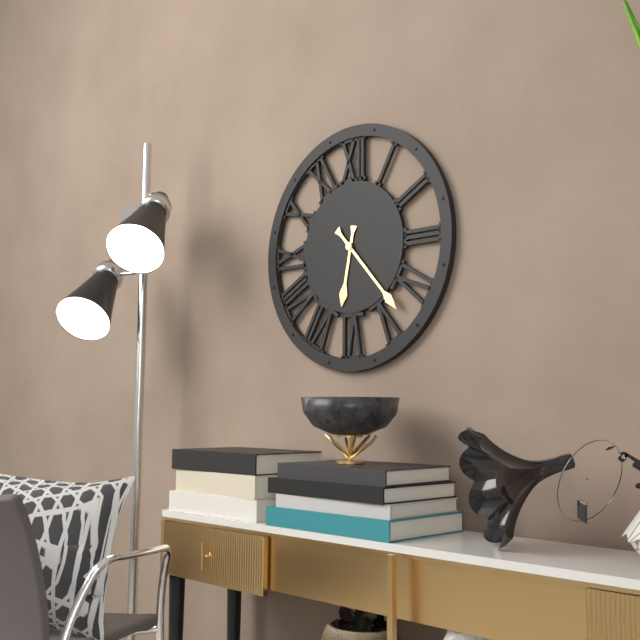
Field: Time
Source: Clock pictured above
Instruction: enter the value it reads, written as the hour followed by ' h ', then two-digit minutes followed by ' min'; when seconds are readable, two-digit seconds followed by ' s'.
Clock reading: 6 h 23 min
